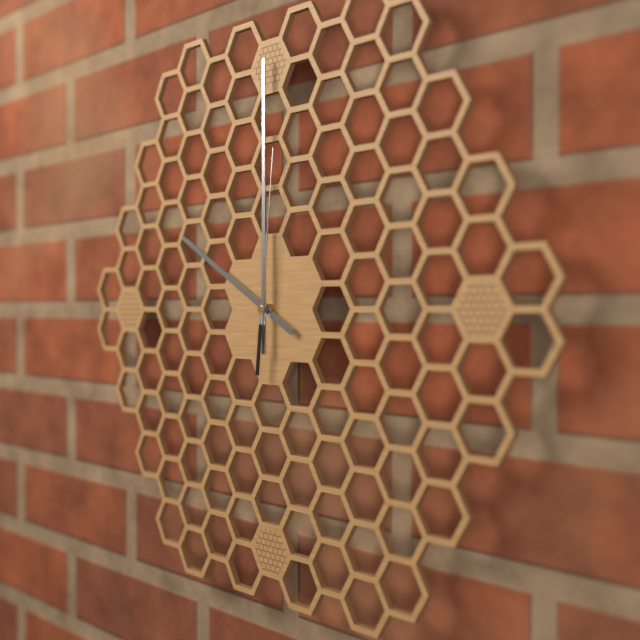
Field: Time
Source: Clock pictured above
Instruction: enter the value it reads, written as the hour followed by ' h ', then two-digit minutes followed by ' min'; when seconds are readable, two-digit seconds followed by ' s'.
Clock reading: 10 h 00 min 01 s
